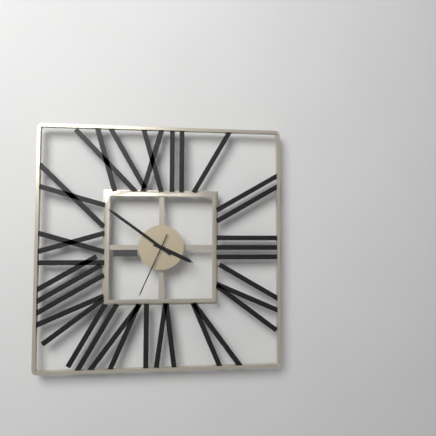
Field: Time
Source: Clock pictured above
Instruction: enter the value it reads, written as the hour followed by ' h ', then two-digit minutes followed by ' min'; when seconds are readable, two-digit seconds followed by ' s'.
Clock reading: 3 h 51 min 34 s
